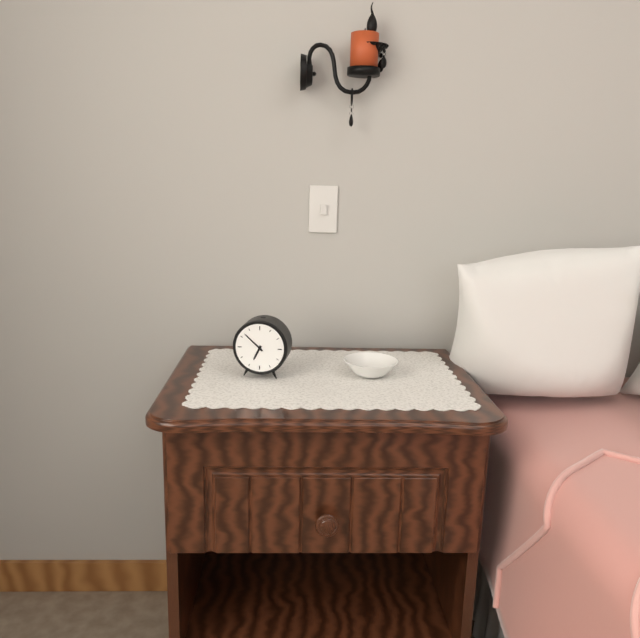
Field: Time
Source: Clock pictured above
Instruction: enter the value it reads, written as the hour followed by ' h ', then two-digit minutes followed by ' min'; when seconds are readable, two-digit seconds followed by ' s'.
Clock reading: 6 h 52 min
